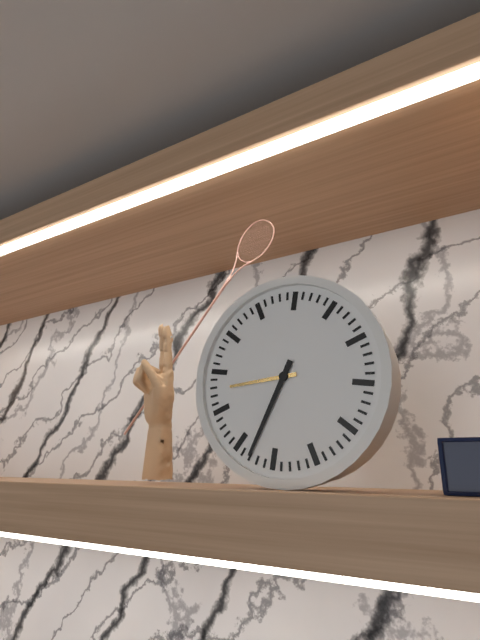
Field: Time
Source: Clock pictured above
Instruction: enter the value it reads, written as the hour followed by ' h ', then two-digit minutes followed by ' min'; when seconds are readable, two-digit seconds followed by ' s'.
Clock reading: 8 h 33 min
